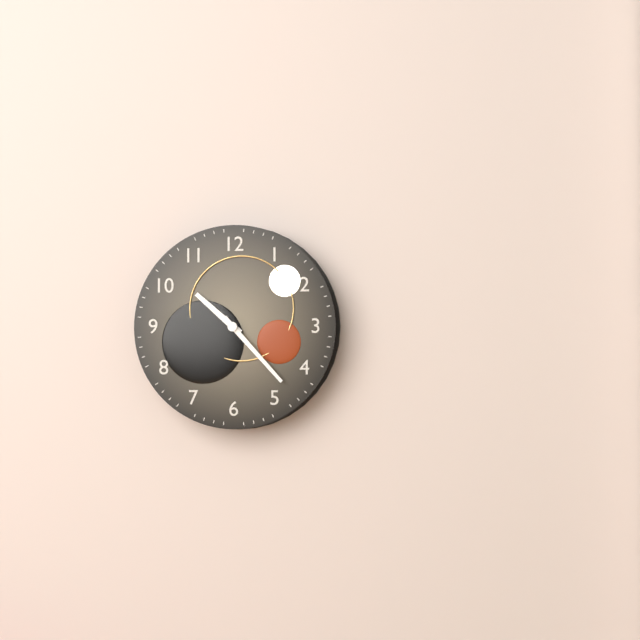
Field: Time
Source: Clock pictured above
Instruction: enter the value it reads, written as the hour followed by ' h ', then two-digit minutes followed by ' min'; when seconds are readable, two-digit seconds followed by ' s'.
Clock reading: 10 h 23 min
